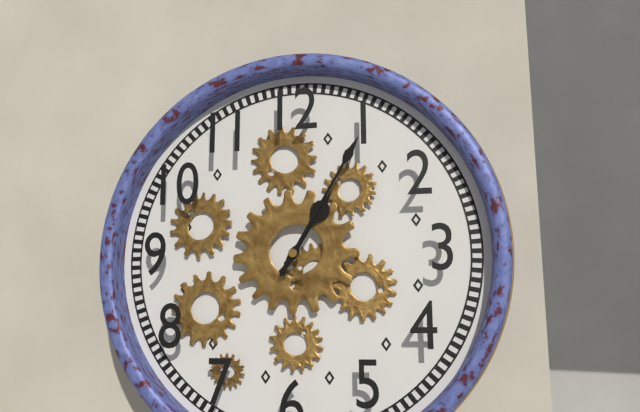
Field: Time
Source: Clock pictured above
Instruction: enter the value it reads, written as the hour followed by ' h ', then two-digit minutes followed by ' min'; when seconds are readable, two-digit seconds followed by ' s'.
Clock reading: 1 h 05 min
